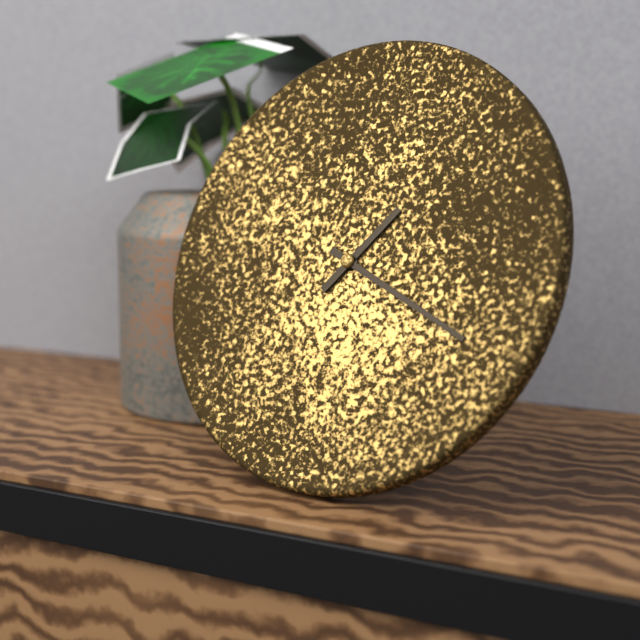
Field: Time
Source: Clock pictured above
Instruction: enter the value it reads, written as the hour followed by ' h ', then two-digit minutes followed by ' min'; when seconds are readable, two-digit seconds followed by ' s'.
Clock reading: 1 h 19 min
